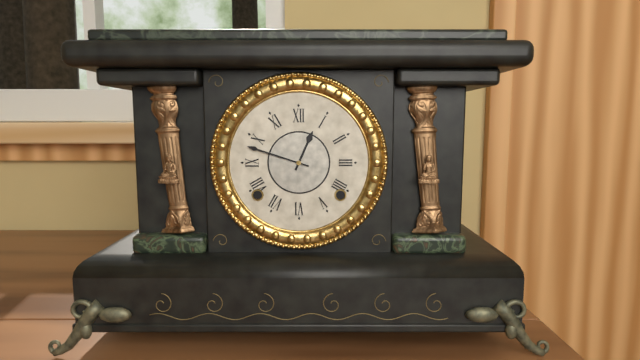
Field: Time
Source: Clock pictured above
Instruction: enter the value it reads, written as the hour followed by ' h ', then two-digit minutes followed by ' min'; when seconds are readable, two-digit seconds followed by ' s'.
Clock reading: 12 h 48 min
